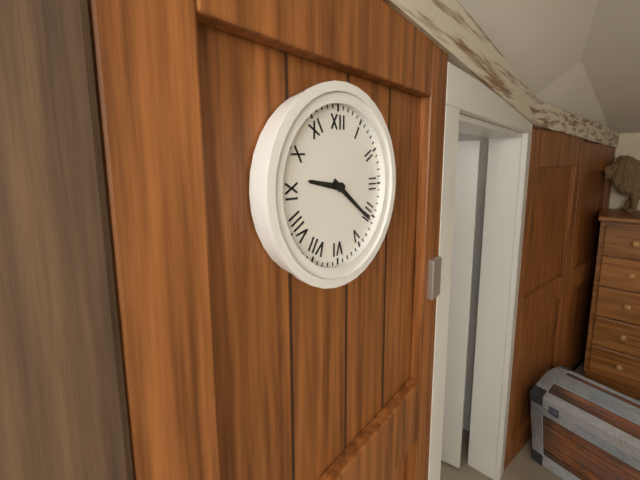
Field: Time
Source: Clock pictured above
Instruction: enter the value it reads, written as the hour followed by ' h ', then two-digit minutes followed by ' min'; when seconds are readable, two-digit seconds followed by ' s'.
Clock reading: 9 h 21 min
